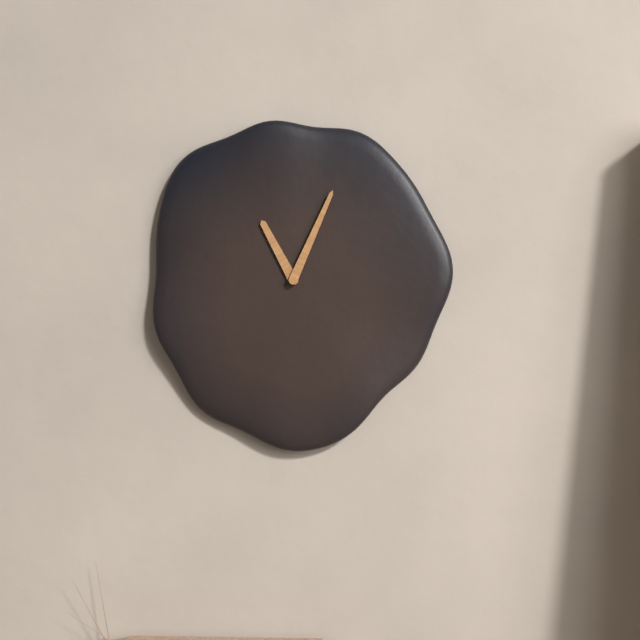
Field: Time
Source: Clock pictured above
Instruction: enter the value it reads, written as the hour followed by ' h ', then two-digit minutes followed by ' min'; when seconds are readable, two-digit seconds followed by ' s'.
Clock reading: 11 h 04 min
